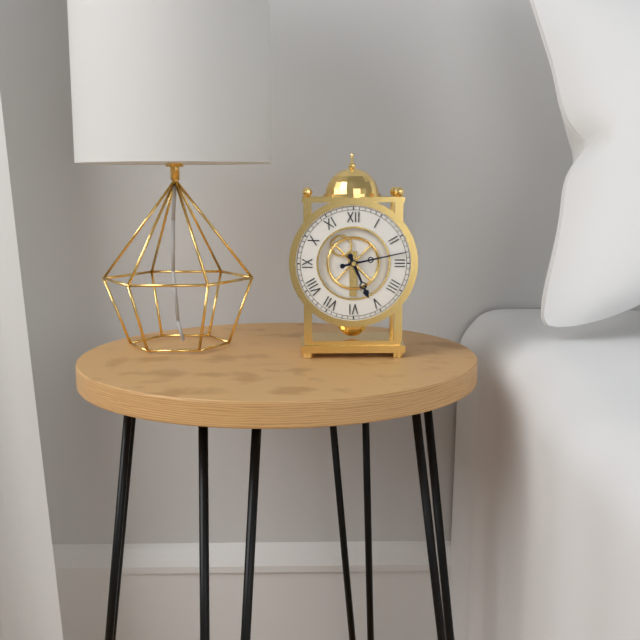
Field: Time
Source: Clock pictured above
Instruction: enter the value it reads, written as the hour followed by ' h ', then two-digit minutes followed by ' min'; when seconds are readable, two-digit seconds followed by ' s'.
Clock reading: 5 h 13 min
